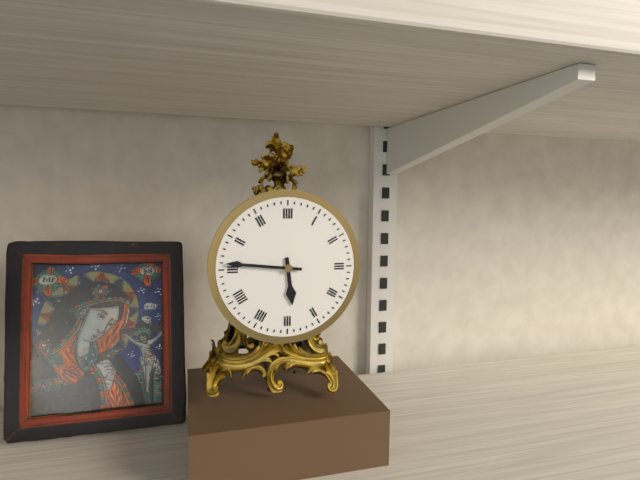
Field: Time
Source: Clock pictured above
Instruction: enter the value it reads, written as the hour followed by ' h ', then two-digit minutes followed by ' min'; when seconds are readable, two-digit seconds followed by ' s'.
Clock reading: 5 h 46 min
